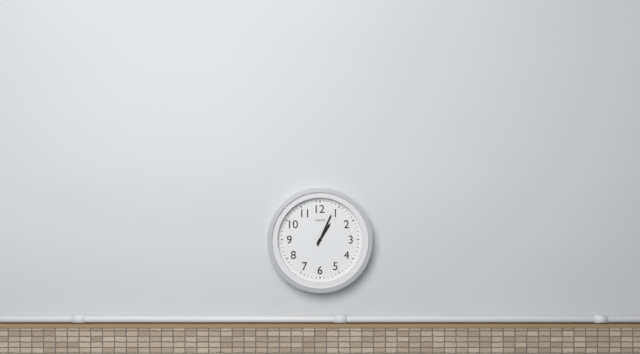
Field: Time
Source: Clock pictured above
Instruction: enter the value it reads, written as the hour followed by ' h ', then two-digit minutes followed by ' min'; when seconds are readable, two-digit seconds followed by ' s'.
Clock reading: 1 h 04 min
